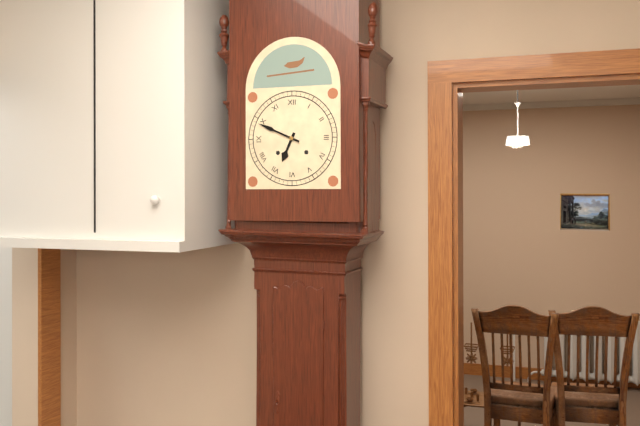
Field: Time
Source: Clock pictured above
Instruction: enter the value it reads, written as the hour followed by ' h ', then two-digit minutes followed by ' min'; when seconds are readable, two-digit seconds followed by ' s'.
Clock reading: 6 h 49 min
